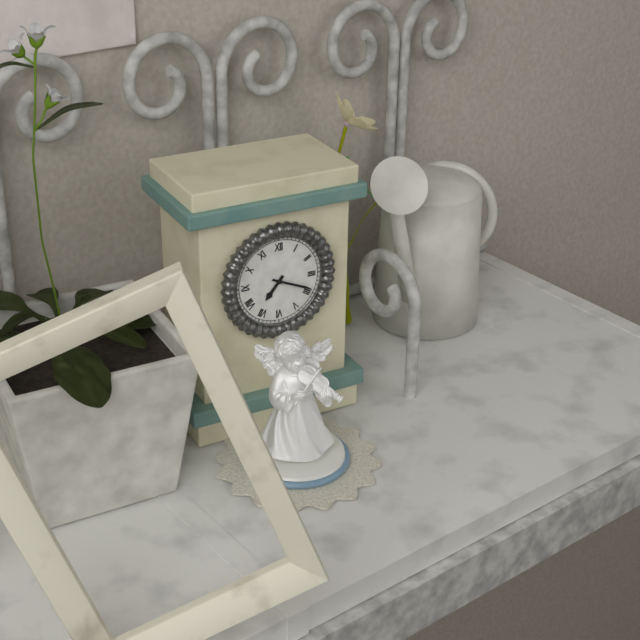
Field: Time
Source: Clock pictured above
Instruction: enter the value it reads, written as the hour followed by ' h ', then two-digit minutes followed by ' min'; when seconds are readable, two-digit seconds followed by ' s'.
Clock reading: 7 h 19 min
